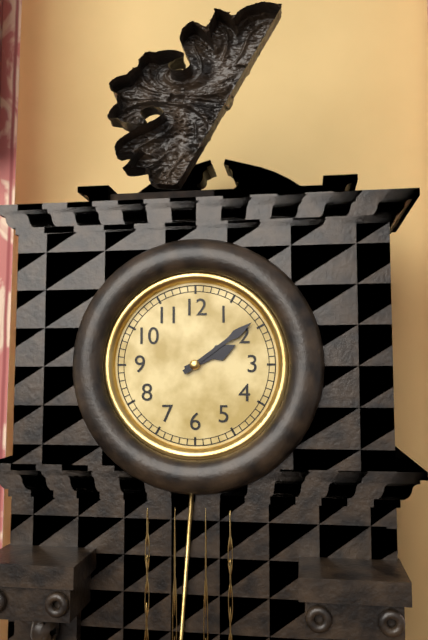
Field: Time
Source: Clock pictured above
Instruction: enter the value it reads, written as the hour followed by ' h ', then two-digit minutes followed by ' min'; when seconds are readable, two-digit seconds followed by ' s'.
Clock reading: 2 h 09 min
